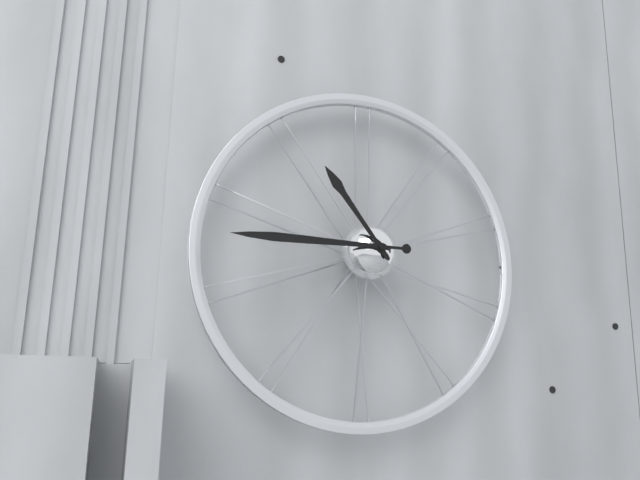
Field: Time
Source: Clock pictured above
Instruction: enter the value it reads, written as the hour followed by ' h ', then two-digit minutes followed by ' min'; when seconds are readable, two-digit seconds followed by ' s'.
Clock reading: 10 h 45 min
